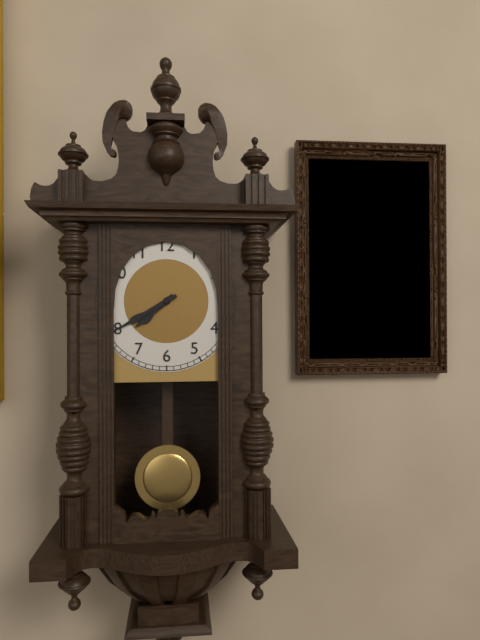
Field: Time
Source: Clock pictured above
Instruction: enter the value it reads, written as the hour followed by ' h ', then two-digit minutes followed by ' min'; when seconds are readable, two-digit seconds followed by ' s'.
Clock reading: 7 h 40 min
